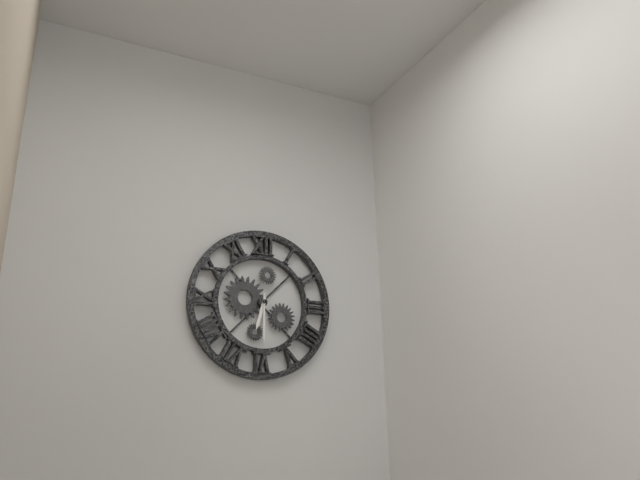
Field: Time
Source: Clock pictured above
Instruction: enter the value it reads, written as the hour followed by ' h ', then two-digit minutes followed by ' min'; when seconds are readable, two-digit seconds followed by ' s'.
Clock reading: 6 h 30 min
